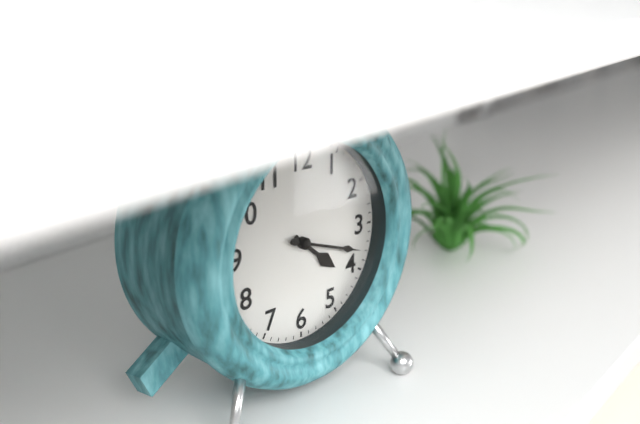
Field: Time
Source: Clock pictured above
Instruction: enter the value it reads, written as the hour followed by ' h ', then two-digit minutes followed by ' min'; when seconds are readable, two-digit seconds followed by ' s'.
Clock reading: 4 h 18 min
